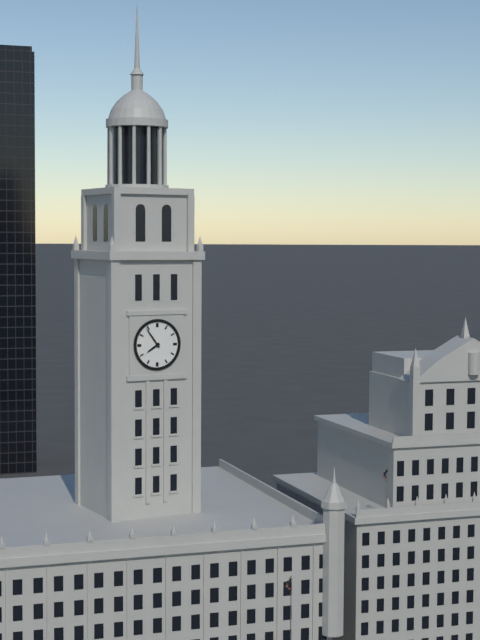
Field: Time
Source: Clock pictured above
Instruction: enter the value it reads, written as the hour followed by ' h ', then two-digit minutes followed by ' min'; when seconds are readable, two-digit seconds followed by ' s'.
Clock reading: 7 h 54 min
